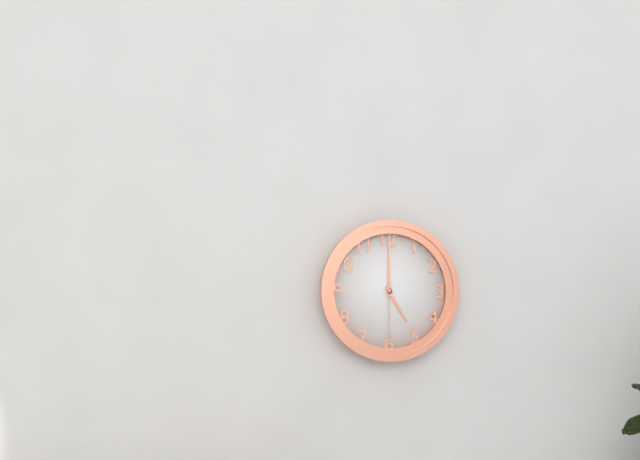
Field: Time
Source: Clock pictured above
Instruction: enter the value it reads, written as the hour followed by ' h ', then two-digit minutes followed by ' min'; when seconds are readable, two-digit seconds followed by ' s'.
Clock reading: 5 h 00 min 30 s
